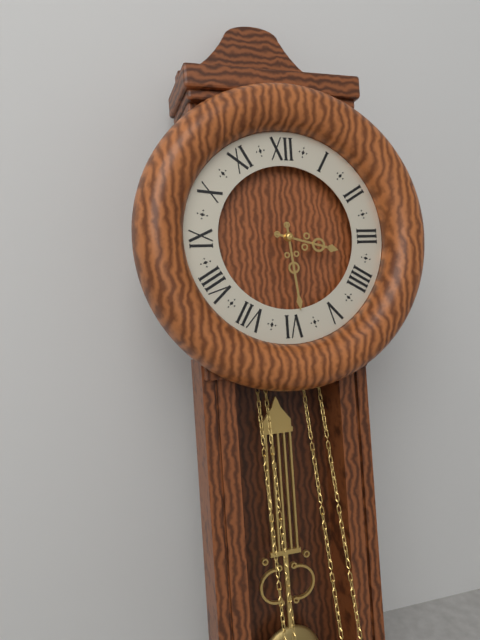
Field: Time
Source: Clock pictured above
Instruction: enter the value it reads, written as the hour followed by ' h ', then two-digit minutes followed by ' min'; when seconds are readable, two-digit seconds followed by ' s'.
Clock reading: 3 h 29 min
